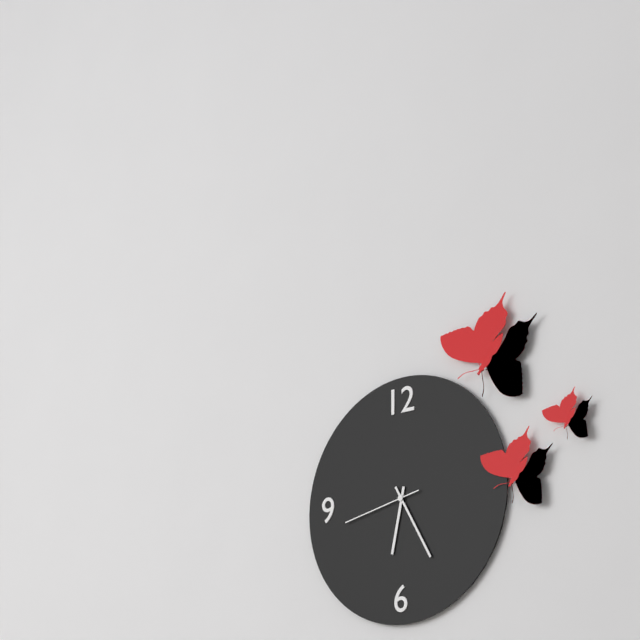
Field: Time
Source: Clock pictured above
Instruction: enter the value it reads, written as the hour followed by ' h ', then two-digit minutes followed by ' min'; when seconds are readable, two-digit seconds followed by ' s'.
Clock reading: 6 h 25 min 43 s
